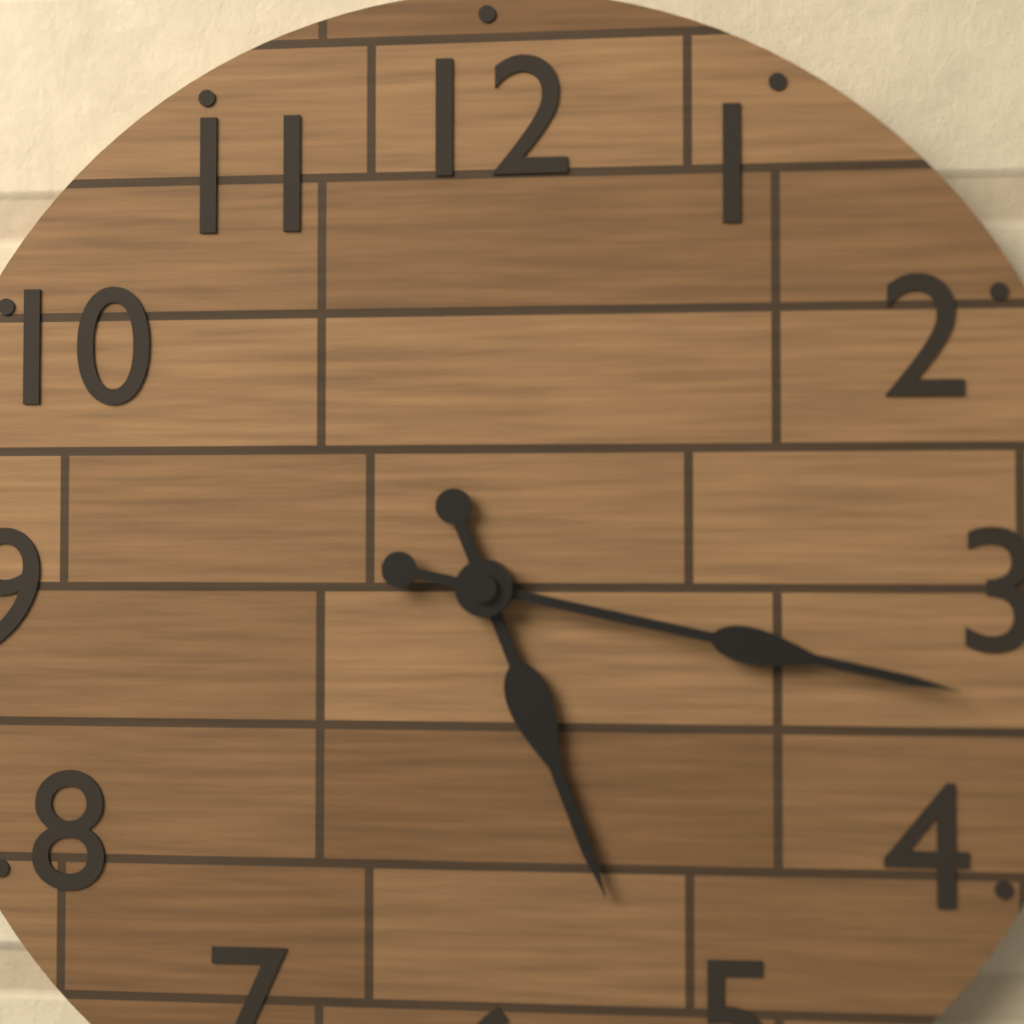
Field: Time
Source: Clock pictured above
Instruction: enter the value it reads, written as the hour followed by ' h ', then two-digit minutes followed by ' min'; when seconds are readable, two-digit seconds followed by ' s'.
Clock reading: 5 h 17 min
